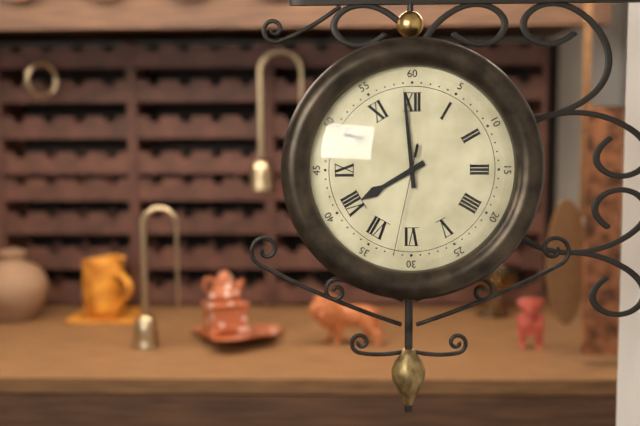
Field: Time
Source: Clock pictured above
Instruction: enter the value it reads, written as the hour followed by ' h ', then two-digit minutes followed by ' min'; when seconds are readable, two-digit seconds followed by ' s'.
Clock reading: 7 h 59 min 32 s
